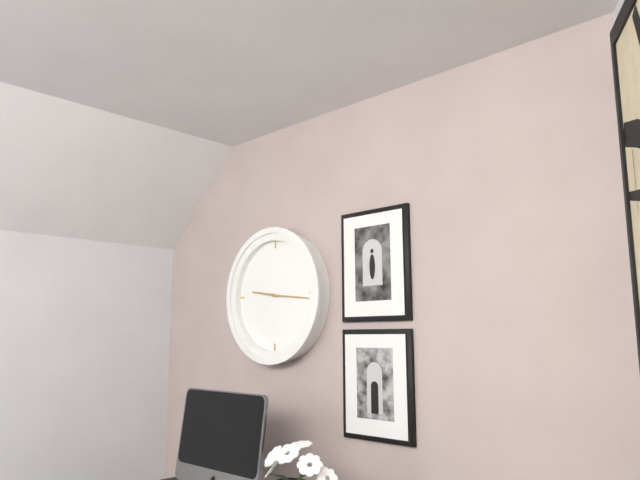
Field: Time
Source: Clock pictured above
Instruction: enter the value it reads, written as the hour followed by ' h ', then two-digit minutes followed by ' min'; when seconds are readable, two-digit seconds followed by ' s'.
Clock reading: 9 h 16 min
